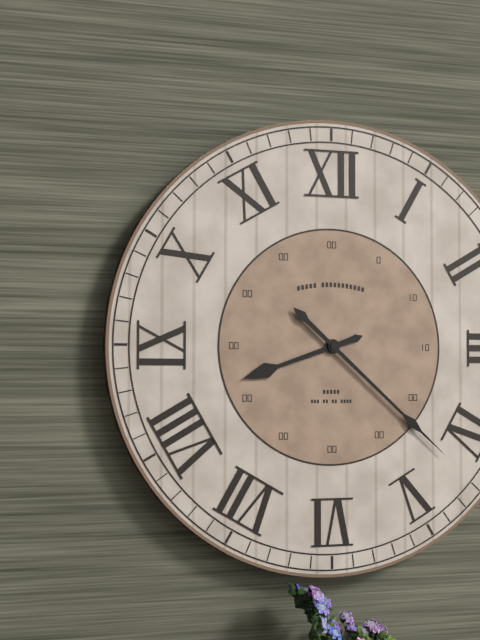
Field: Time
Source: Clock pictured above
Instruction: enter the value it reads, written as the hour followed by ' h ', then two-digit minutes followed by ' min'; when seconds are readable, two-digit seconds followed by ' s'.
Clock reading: 8 h 22 min
